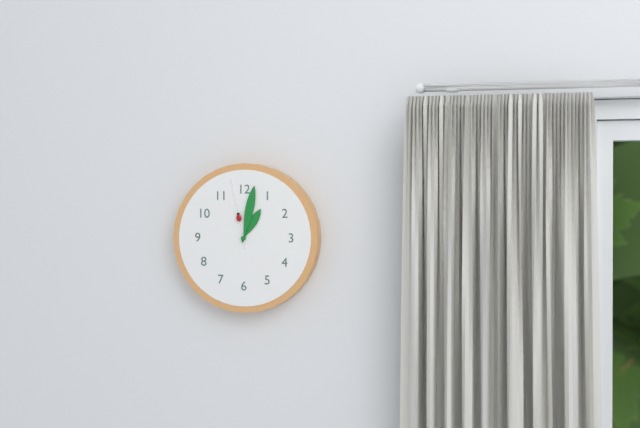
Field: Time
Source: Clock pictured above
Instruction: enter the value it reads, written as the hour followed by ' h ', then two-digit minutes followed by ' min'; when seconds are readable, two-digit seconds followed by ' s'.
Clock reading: 1 h 02 min 58 s
